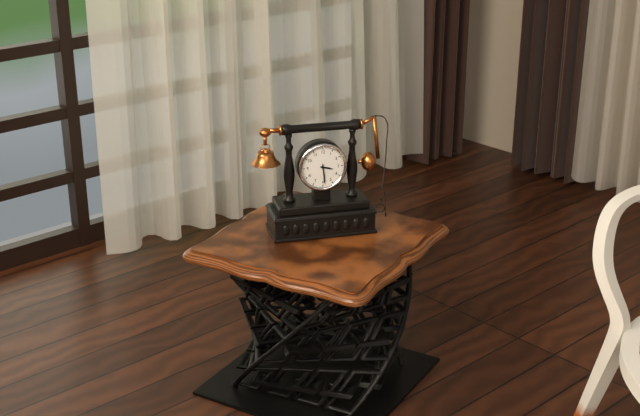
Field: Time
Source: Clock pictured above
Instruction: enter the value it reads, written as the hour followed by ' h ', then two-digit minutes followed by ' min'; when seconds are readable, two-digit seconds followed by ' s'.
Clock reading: 3 h 29 min
